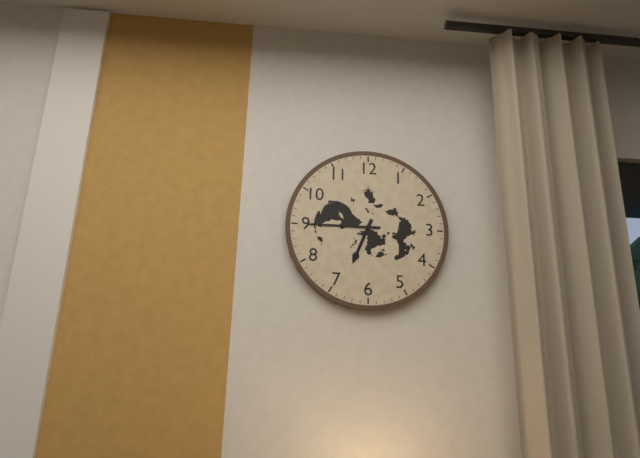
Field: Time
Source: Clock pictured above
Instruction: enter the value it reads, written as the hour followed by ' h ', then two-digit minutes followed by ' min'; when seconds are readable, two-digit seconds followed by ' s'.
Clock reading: 6 h 45 min
